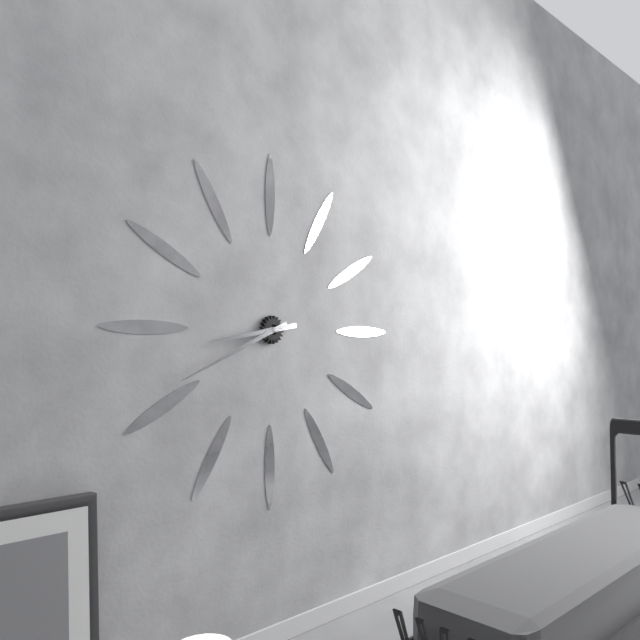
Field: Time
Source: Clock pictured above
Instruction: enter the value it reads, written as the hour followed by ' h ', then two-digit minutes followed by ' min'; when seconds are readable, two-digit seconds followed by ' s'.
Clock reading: 8 h 41 min
